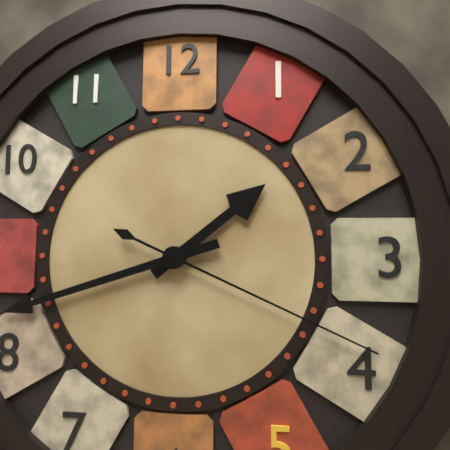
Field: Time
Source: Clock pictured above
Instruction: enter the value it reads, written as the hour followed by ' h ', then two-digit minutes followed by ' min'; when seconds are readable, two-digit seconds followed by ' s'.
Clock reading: 1 h 42 min 19 s
